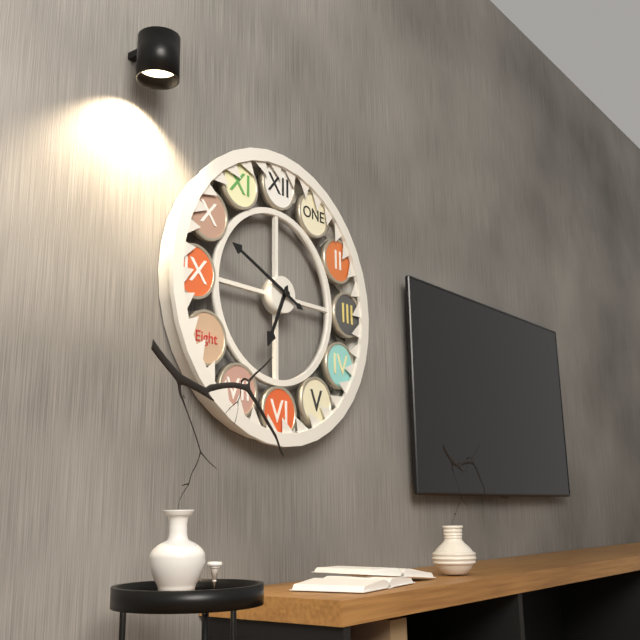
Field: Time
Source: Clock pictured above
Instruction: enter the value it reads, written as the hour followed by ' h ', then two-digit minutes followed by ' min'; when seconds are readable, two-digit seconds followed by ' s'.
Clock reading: 6 h 49 min
